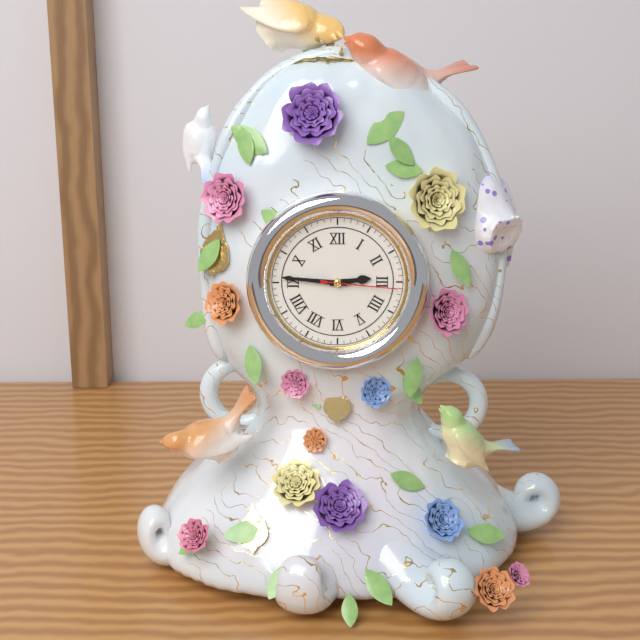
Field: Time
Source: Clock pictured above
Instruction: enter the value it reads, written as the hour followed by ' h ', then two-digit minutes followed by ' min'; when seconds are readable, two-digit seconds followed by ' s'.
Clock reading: 2 h 46 min 16 s
